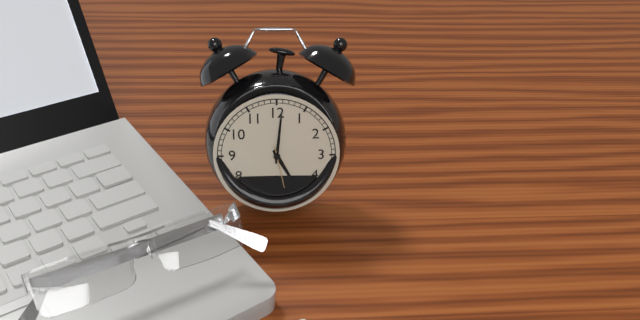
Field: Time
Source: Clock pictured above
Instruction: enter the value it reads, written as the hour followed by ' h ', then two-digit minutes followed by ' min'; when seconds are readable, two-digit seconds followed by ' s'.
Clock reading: 5 h 01 min
